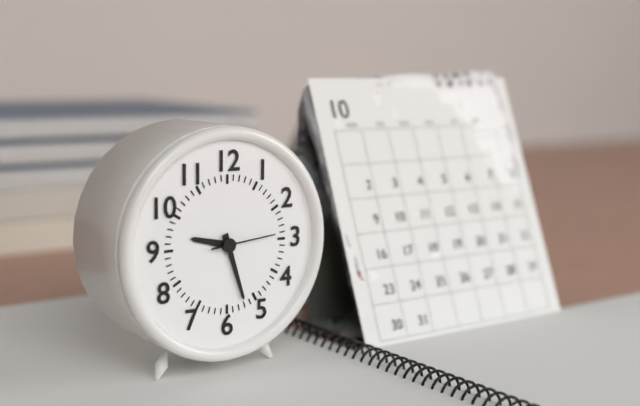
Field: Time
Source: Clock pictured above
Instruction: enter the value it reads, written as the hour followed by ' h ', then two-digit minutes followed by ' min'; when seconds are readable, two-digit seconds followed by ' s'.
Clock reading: 9 h 27 min 14 s
